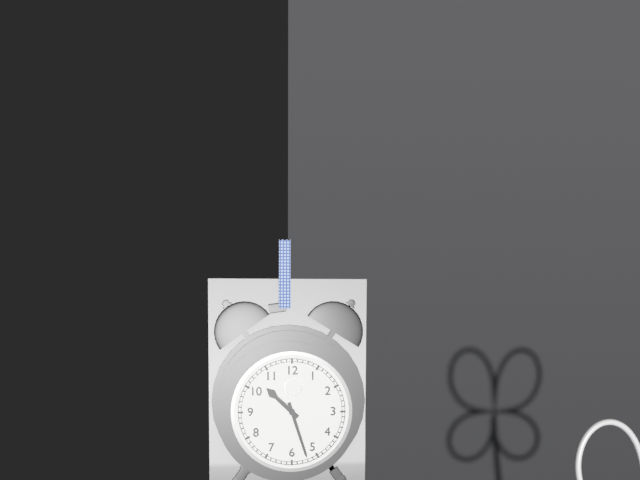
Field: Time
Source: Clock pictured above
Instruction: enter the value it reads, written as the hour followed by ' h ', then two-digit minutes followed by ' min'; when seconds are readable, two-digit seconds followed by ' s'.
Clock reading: 10 h 27 min
